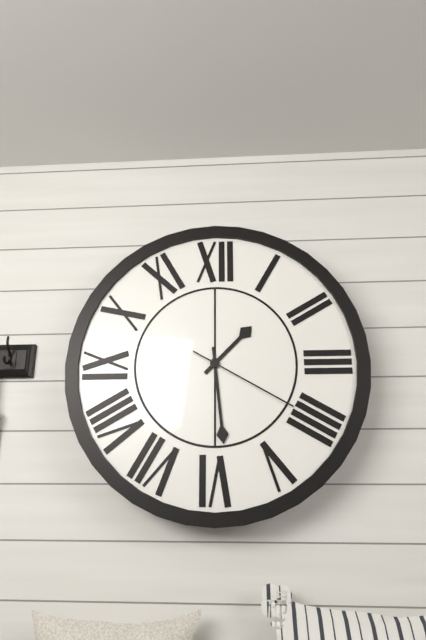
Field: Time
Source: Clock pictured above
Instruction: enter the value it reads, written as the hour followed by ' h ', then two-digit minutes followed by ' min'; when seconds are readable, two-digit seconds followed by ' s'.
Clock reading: 1 h 29 min 20 s
